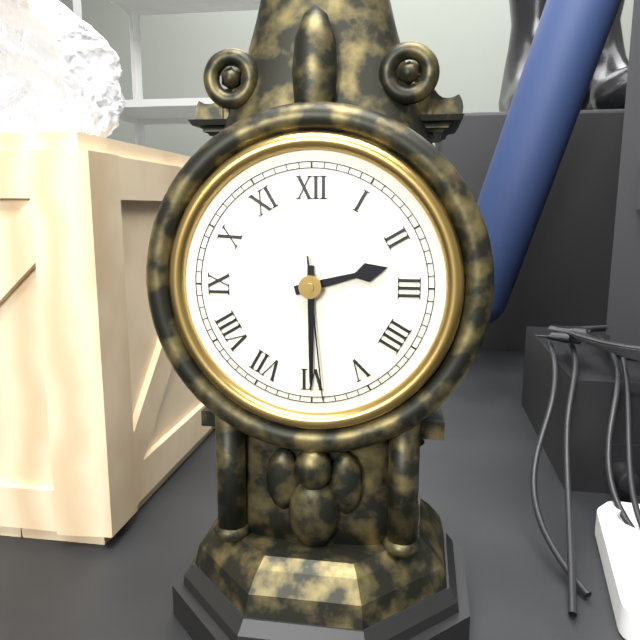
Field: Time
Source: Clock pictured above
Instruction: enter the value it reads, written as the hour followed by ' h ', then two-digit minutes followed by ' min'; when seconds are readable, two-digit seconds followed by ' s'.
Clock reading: 2 h 30 min 29 s
